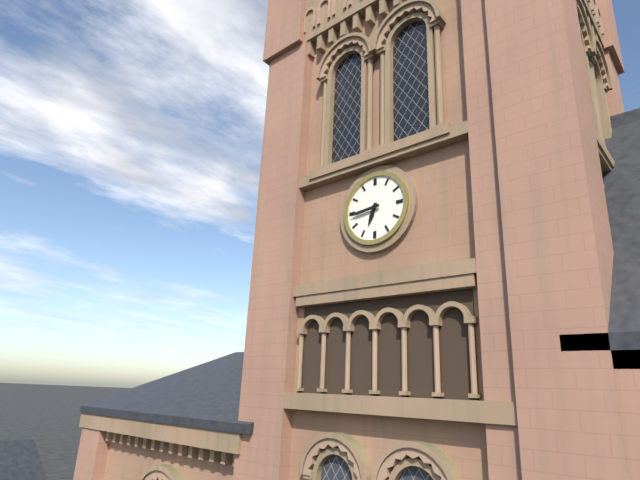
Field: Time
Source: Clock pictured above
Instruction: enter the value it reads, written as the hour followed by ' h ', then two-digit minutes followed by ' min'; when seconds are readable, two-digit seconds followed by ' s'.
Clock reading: 6 h 44 min
